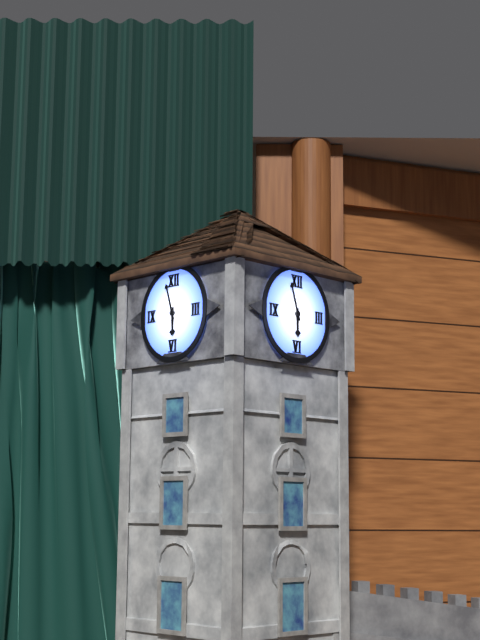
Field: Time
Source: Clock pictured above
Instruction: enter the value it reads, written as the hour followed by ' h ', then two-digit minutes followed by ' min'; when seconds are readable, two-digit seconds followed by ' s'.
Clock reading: 5 h 57 min
